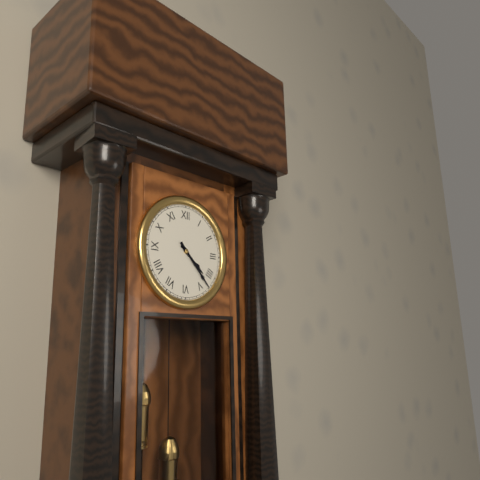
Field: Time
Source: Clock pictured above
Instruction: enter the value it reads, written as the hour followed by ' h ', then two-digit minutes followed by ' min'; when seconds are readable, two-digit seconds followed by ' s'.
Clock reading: 4 h 23 min
